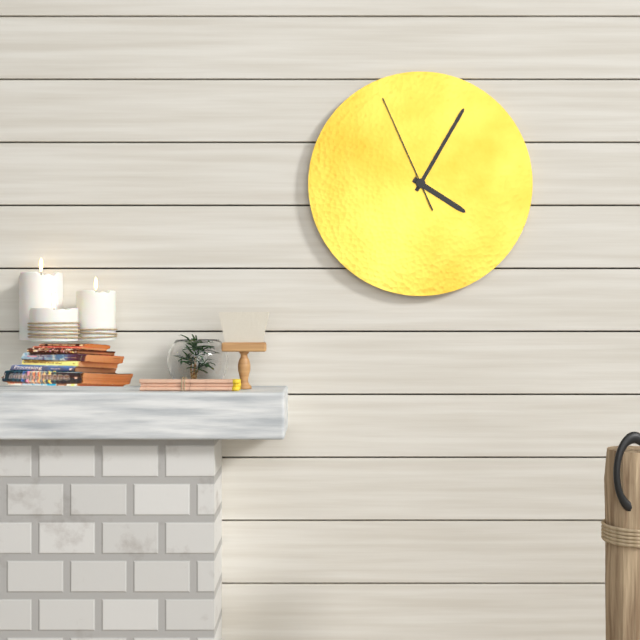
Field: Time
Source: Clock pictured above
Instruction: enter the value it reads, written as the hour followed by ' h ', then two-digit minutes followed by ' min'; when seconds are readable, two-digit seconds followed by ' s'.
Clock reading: 4 h 05 min 56 s
